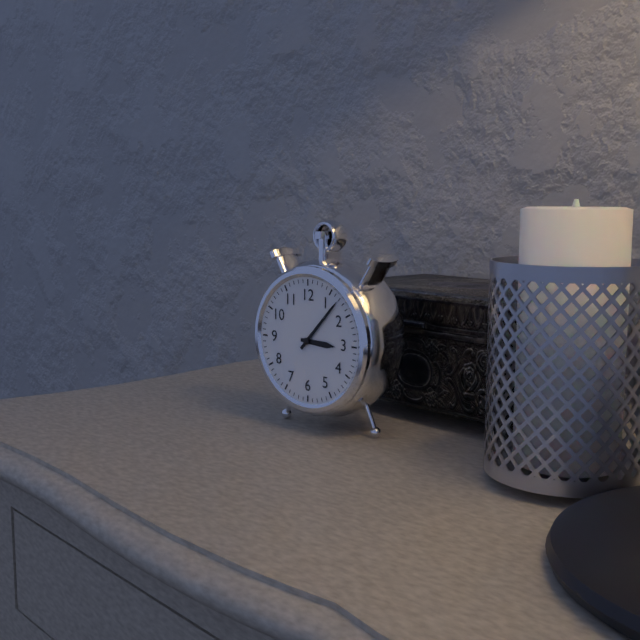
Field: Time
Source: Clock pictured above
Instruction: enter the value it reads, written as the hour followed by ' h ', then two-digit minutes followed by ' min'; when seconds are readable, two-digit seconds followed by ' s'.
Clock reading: 3 h 07 min
